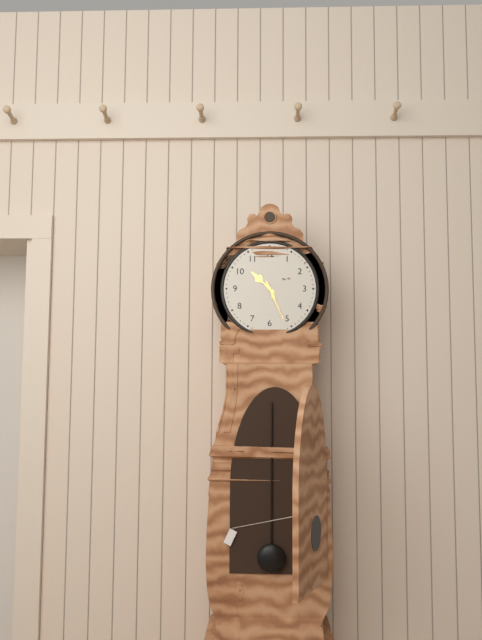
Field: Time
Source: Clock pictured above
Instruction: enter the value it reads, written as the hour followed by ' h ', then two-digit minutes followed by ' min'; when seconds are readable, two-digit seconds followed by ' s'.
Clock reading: 10 h 26 min
